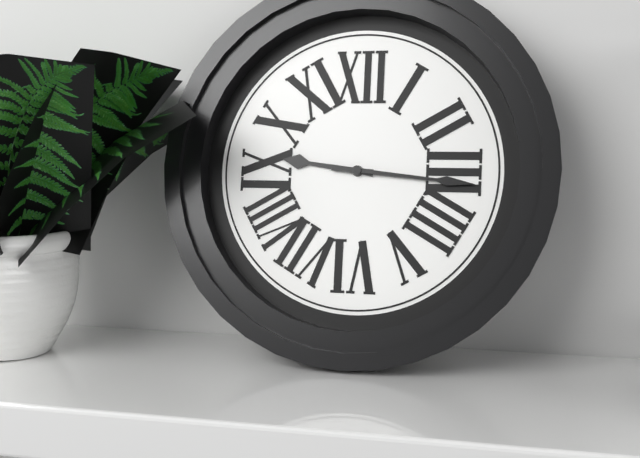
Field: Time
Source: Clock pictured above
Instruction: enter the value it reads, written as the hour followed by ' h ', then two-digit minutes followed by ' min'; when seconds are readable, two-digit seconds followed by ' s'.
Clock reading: 9 h 16 min
